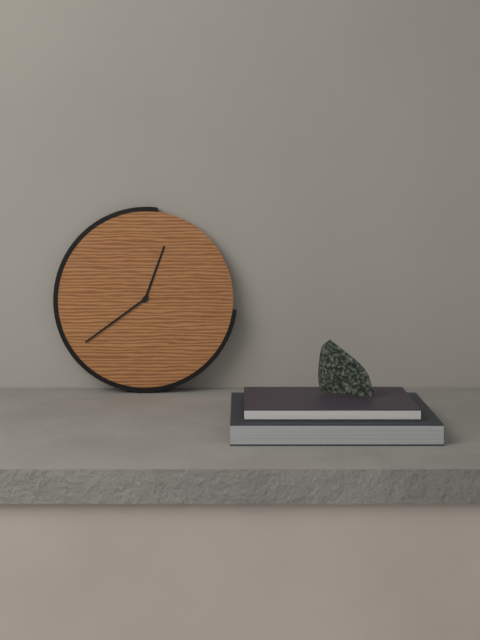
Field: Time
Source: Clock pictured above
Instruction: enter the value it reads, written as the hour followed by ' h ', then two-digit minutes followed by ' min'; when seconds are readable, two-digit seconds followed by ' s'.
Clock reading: 12 h 39 min
